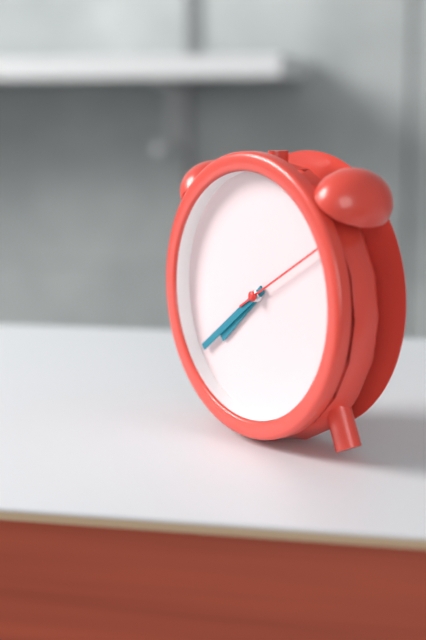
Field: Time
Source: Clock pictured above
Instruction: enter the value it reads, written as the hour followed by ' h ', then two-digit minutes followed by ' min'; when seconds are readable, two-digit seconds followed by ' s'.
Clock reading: 7 h 39 min 10 s
